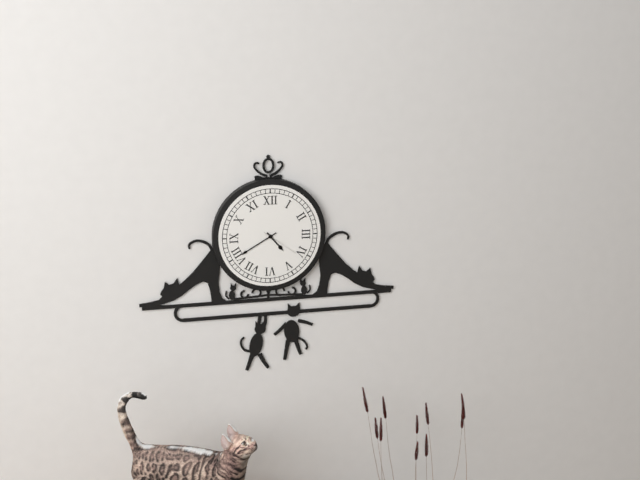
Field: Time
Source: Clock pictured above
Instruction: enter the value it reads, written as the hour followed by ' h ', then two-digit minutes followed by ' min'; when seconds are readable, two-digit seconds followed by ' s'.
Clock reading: 4 h 40 min
